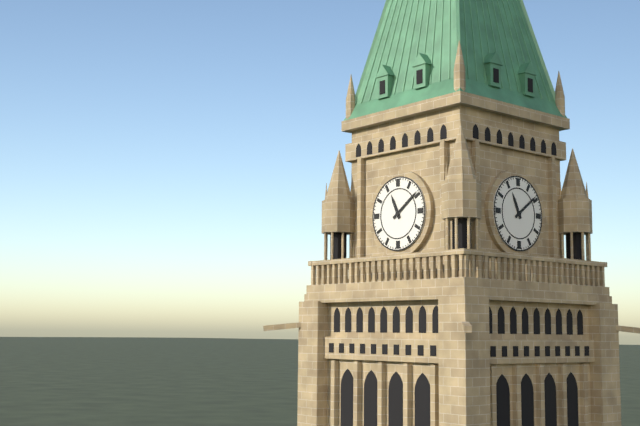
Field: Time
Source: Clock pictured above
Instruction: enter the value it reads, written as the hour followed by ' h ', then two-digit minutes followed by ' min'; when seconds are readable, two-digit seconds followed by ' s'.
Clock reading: 11 h 09 min
